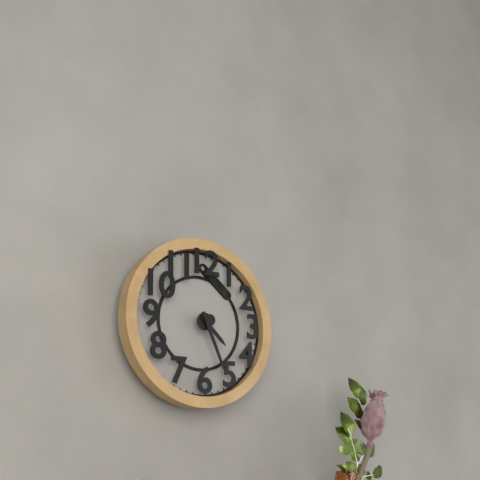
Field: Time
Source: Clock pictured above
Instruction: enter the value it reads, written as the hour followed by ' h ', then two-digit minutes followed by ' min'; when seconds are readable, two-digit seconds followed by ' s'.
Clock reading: 4 h 26 min
